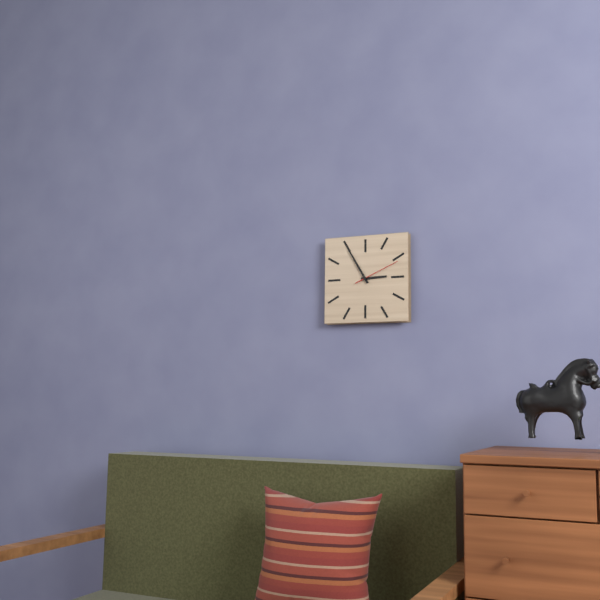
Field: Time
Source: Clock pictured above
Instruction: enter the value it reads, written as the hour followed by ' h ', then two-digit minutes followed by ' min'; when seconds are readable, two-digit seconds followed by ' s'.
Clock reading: 2 h 55 min
